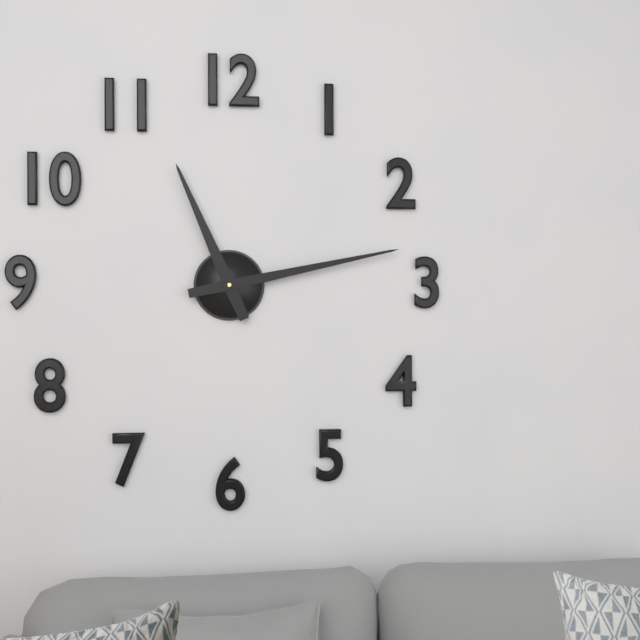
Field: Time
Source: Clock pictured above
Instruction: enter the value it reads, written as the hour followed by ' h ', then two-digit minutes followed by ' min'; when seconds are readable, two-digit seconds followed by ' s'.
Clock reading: 11 h 13 min
